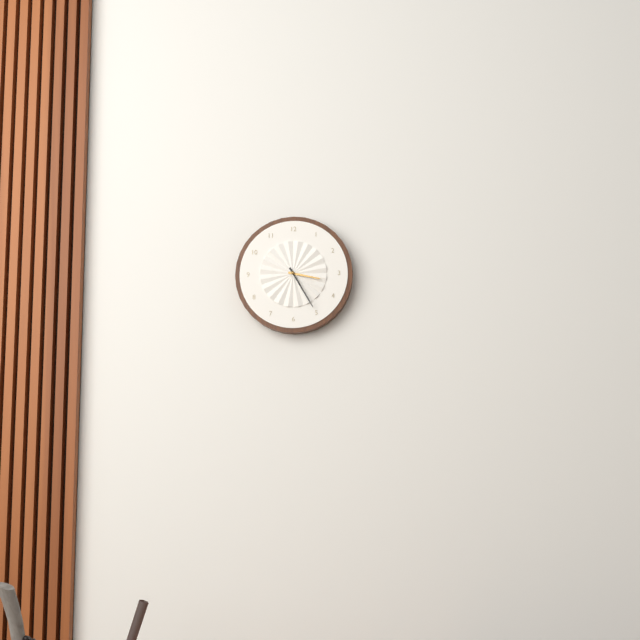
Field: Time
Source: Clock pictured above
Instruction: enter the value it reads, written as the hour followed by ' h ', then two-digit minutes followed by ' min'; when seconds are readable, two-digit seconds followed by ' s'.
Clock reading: 3 h 25 min
